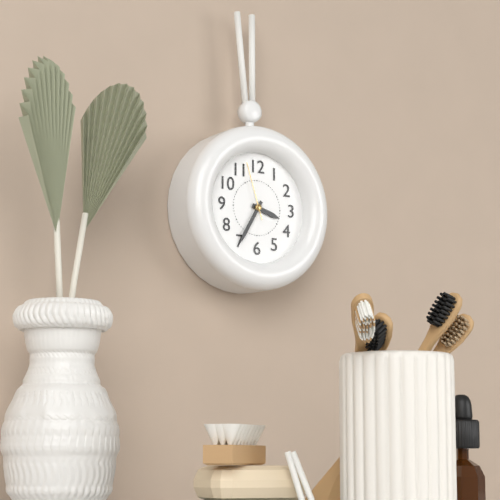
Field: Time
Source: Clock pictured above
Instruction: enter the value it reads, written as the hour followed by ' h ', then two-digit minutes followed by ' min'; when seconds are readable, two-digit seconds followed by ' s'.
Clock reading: 3 h 35 min 57 s
